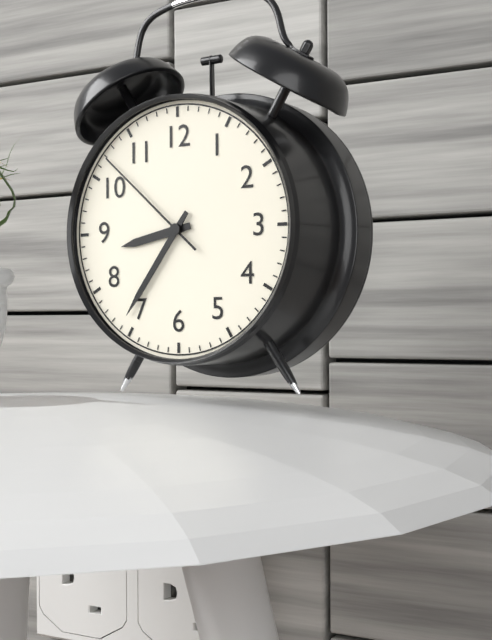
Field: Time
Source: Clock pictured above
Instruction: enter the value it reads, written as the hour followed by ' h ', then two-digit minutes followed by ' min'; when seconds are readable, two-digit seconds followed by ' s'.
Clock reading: 8 h 36 min 52 s
